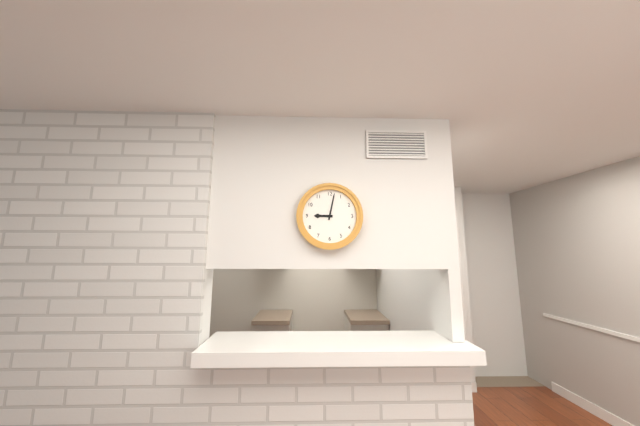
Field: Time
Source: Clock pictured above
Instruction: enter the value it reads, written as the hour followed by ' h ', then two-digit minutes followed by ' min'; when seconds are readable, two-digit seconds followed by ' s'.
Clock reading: 9 h 02 min
